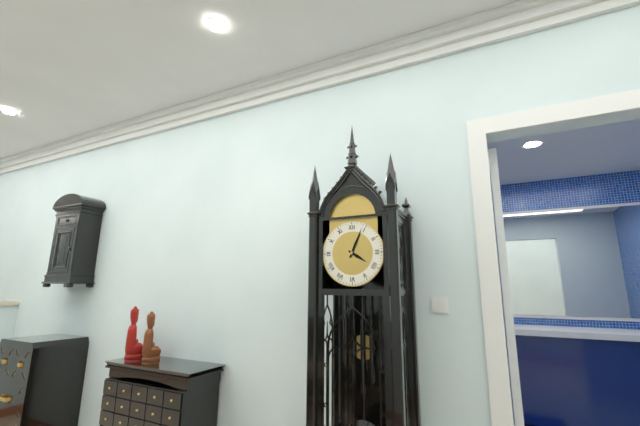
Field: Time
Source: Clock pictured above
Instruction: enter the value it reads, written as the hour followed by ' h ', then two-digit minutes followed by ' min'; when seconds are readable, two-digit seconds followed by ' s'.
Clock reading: 4 h 04 min
